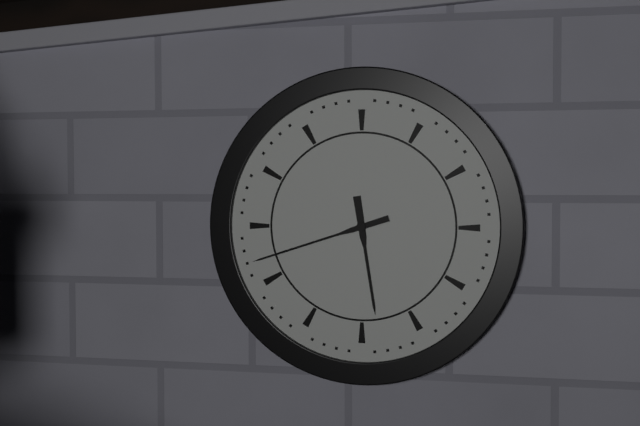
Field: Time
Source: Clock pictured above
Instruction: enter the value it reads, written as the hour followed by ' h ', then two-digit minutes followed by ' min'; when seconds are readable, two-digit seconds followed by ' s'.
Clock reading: 5 h 42 min
